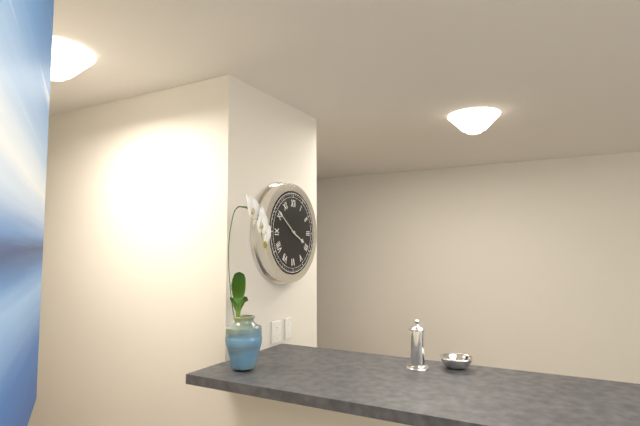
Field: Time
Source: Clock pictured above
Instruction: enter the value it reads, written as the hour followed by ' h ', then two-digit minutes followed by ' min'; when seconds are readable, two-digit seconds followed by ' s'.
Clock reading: 3 h 51 min
